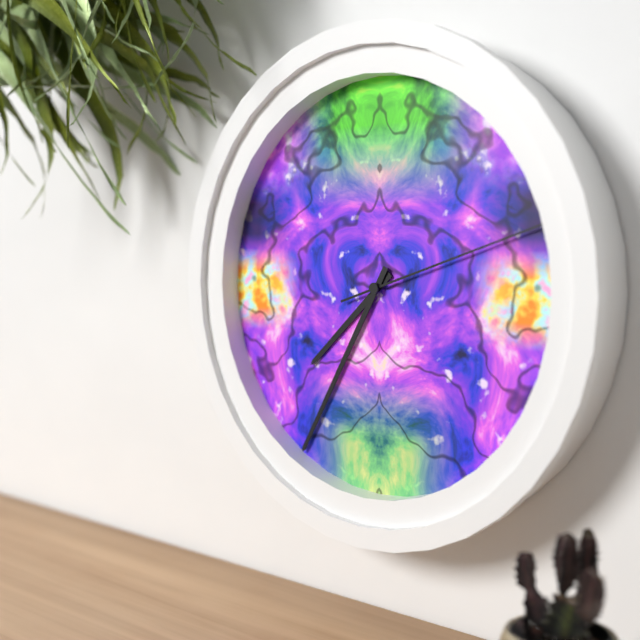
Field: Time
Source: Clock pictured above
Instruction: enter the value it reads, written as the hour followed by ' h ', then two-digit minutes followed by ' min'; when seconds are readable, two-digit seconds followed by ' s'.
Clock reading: 7 h 35 min 12 s
